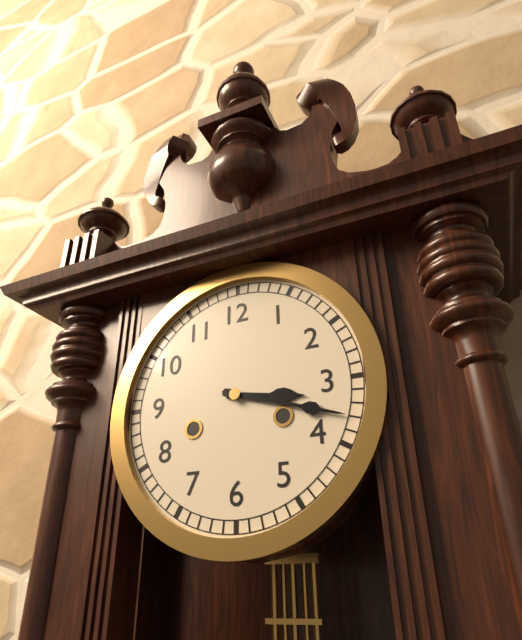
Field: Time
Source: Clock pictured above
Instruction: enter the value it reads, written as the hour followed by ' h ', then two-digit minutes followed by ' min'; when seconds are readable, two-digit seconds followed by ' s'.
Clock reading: 3 h 18 min
